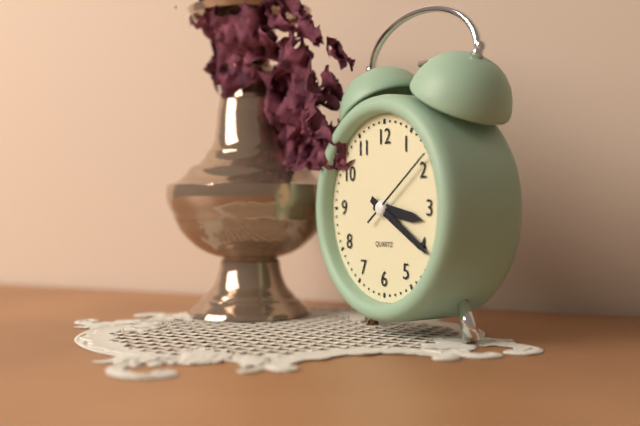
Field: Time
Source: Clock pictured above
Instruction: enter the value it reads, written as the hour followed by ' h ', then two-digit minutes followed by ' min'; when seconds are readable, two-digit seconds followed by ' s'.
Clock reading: 3 h 20 min 09 s
